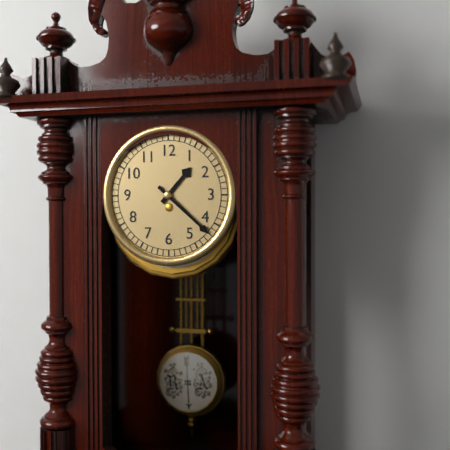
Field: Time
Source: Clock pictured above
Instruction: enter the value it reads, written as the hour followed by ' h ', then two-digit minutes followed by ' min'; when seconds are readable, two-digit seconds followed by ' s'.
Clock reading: 1 h 22 min
